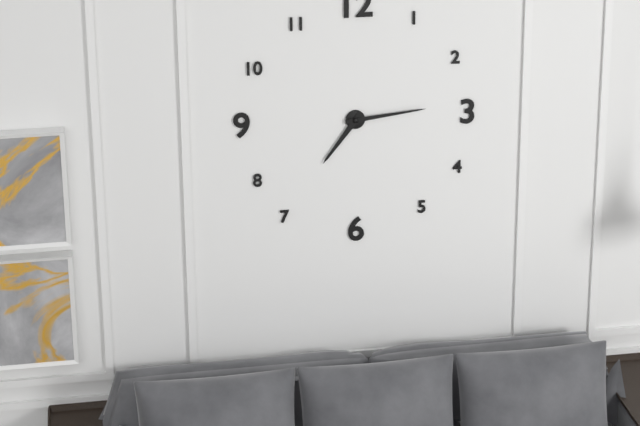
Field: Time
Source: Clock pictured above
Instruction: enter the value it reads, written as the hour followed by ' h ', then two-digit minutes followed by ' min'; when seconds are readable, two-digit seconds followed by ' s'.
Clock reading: 7 h 14 min
